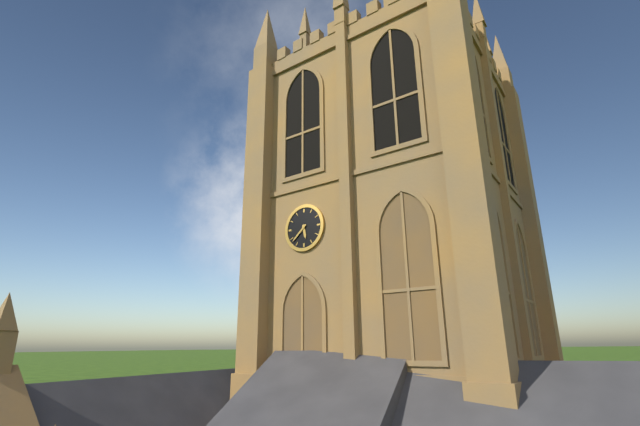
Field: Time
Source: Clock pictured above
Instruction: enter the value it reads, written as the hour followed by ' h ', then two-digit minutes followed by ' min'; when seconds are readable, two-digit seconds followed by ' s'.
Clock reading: 5 h 38 min
